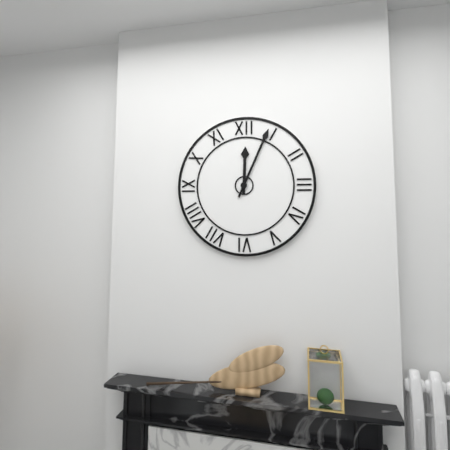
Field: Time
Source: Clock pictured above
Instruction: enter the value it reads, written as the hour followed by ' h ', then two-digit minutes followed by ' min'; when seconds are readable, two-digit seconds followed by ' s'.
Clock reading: 12 h 04 min
